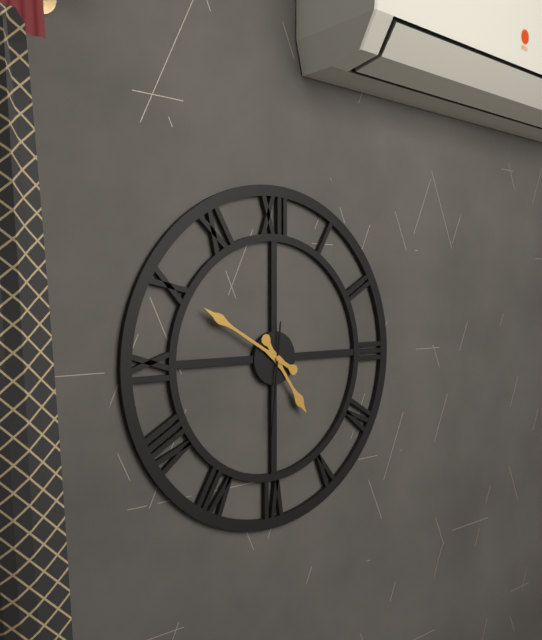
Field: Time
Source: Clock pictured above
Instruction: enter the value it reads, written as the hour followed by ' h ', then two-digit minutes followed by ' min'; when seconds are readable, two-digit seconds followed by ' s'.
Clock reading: 4 h 50 min 31 s
